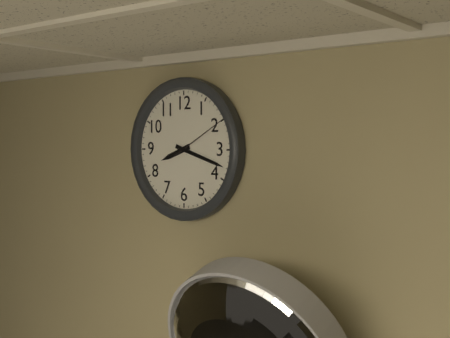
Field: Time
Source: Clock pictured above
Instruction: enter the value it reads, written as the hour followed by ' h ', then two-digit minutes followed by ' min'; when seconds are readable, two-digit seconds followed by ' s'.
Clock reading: 8 h 18 min
